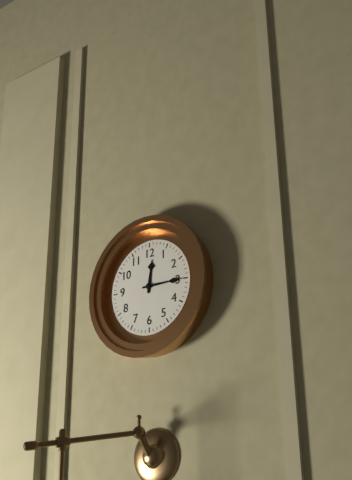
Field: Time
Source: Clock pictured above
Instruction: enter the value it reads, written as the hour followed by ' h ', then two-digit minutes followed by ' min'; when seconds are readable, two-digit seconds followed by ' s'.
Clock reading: 12 h 15 min
